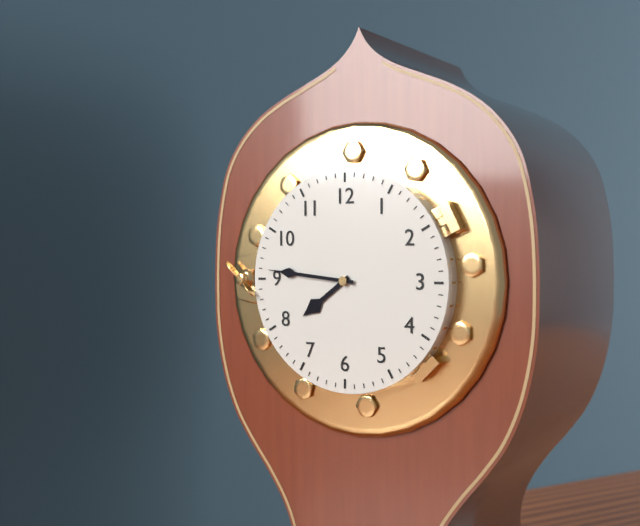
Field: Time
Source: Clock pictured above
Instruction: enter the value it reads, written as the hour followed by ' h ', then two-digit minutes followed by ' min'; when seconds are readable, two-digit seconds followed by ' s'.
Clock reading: 7 h 46 min
